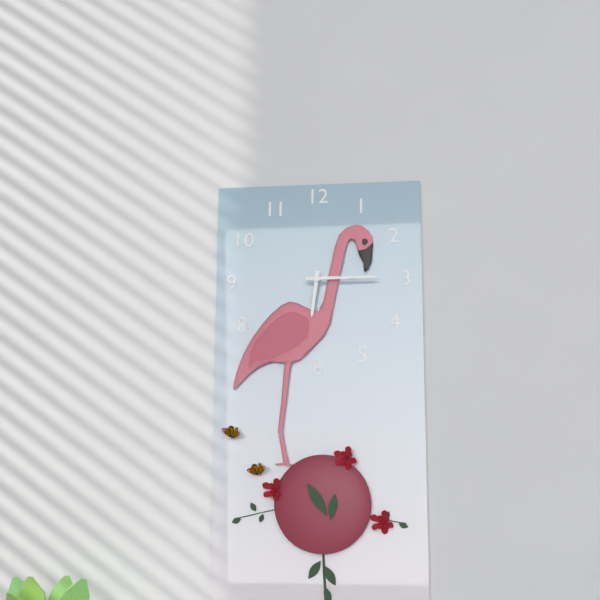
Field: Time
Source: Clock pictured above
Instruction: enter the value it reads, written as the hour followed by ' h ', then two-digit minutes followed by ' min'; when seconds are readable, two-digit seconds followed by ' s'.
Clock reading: 6 h 15 min
